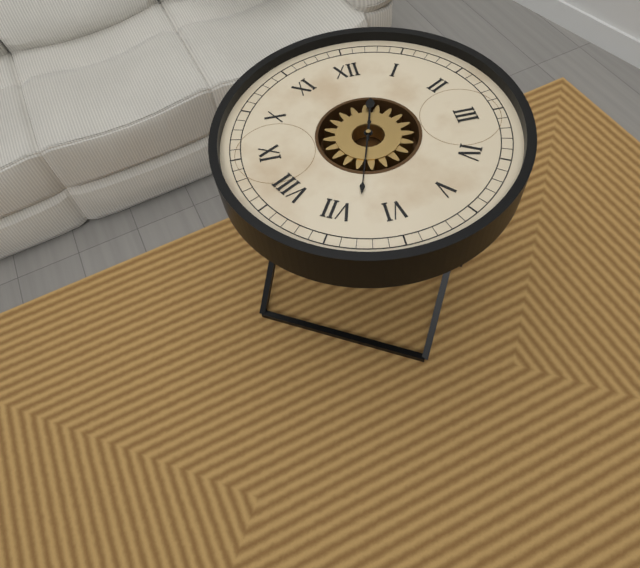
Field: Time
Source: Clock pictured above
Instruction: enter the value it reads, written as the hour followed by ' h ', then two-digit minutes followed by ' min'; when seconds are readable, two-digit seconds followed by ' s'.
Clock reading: 12 h 33 min
